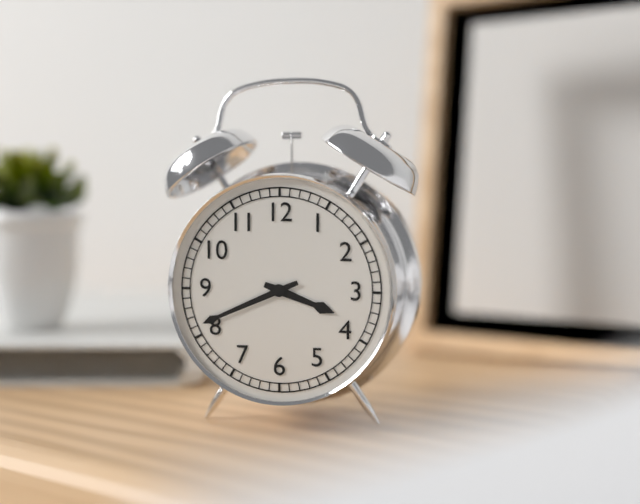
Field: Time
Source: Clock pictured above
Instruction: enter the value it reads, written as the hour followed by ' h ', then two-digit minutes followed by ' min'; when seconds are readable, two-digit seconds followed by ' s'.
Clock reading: 3 h 41 min
